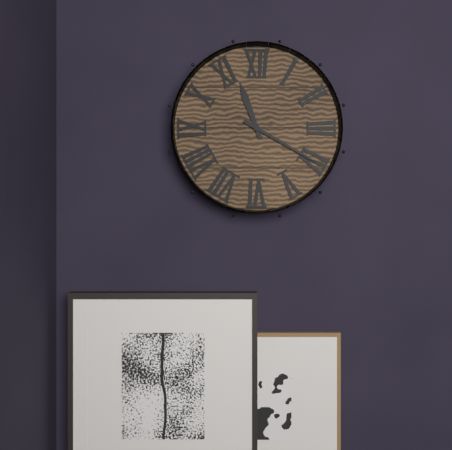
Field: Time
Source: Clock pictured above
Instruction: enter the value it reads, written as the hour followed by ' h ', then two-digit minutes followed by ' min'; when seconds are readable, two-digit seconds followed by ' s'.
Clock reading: 11 h 20 min
